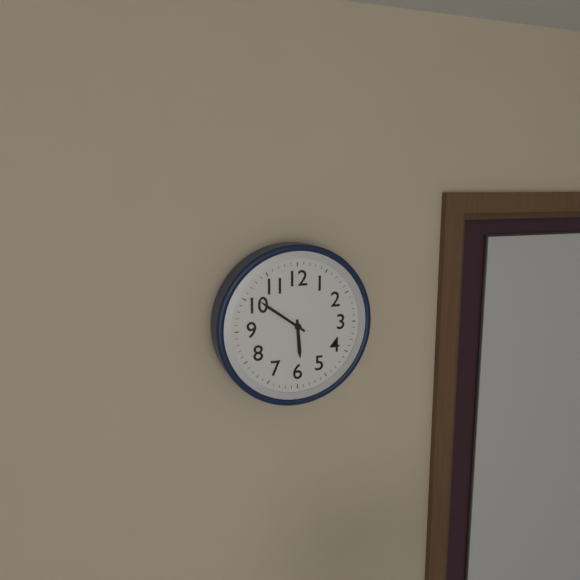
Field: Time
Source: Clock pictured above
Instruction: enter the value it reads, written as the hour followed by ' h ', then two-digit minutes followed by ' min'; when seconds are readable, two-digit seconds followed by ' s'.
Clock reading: 5 h 51 min
